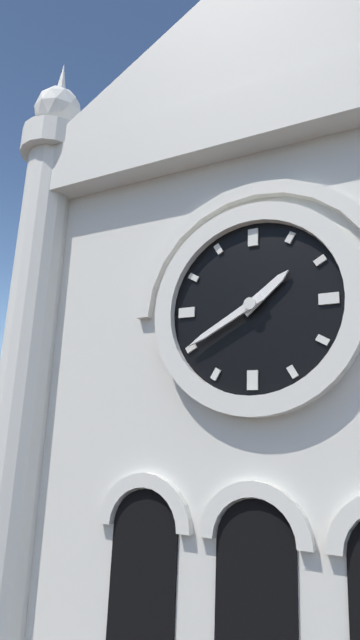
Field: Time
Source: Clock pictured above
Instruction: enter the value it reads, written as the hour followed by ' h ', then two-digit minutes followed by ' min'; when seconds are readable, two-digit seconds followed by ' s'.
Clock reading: 1 h 40 min
